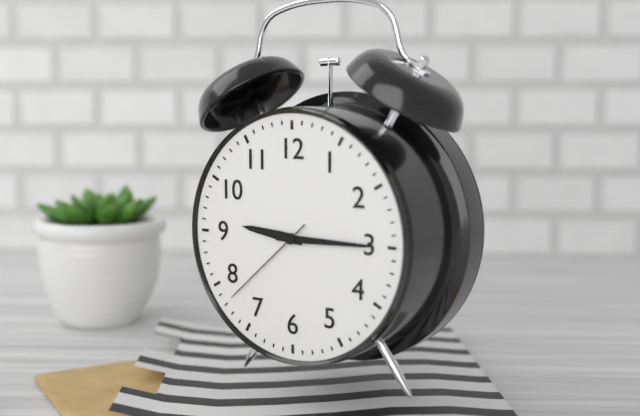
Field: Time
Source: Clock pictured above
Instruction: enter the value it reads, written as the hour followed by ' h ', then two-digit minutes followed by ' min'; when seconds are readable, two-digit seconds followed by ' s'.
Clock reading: 9 h 15 min 38 s
